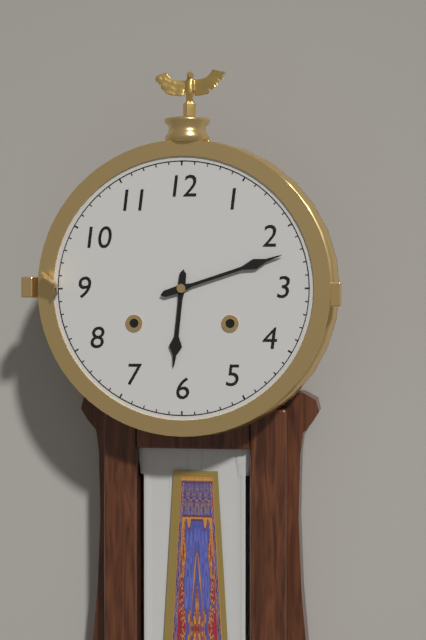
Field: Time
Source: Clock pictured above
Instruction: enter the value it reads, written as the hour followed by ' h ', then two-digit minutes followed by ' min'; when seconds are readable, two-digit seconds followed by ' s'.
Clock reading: 6 h 12 min
